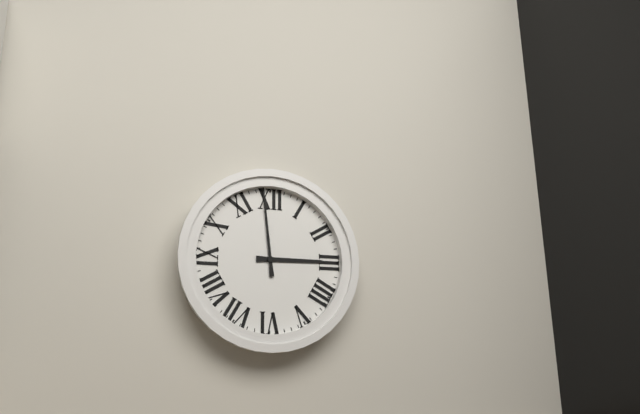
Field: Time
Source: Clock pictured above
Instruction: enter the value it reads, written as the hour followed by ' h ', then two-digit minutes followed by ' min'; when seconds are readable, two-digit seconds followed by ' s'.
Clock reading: 2 h 59 min
